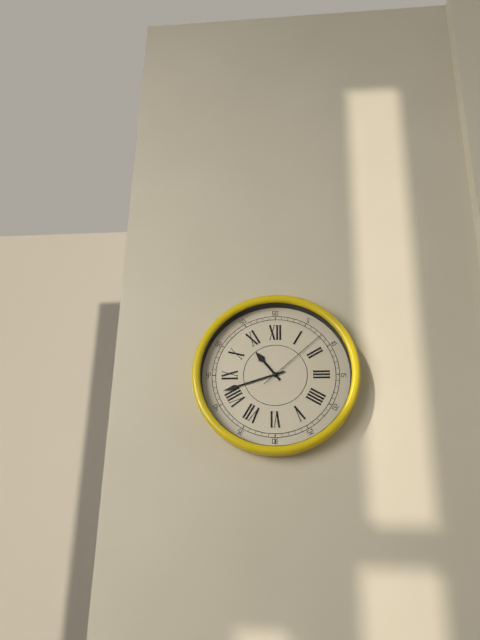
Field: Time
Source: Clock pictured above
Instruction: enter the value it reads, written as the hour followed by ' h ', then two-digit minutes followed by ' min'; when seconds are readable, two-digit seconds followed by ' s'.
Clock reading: 10 h 42 min 08 s
